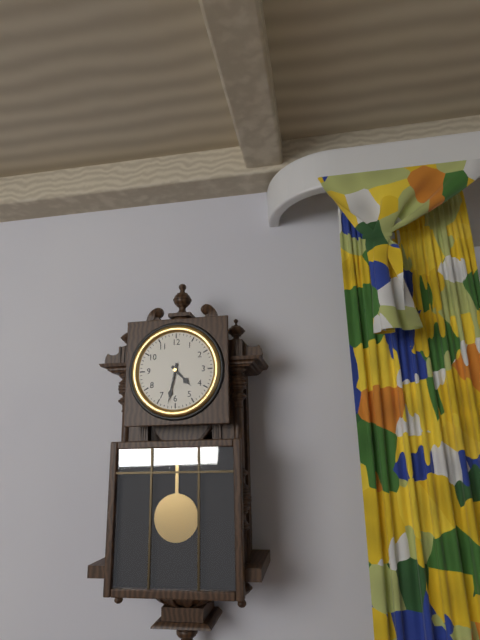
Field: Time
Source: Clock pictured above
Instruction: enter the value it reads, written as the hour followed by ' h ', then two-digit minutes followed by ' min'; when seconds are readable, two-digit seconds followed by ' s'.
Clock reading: 4 h 32 min
